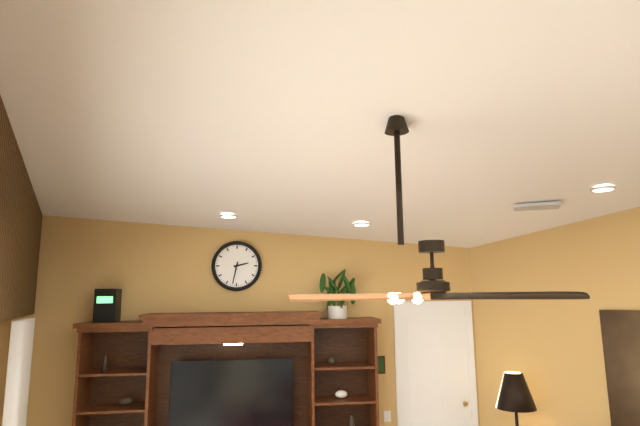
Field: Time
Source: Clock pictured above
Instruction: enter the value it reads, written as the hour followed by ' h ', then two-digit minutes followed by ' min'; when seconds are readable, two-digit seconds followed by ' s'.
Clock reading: 2 h 32 min
